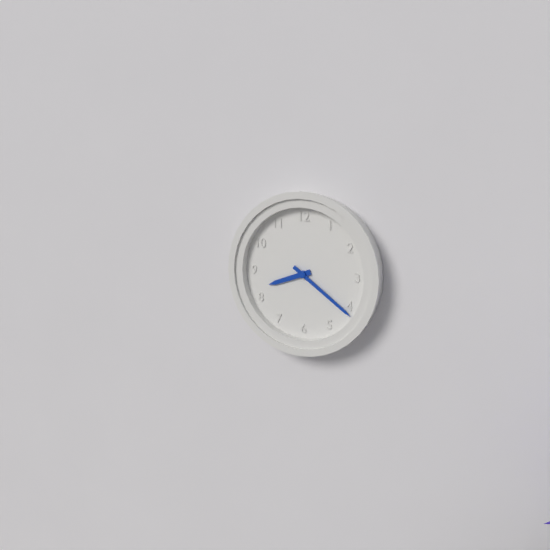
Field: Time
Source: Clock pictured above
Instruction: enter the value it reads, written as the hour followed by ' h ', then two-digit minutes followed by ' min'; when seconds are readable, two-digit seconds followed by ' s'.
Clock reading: 8 h 21 min
